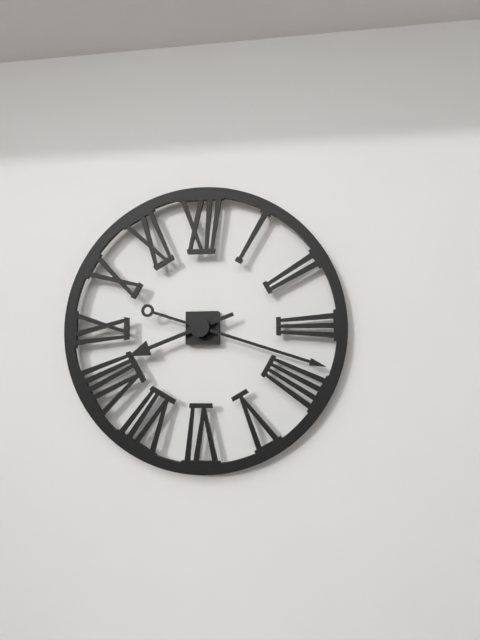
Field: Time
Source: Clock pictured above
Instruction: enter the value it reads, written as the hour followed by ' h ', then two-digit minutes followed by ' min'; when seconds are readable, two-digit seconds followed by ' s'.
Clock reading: 8 h 18 min
